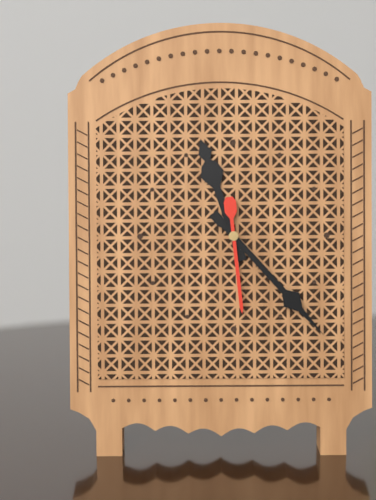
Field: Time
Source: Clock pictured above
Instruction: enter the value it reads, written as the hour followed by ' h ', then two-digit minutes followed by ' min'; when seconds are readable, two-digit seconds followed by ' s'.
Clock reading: 11 h 23 min 29 s
